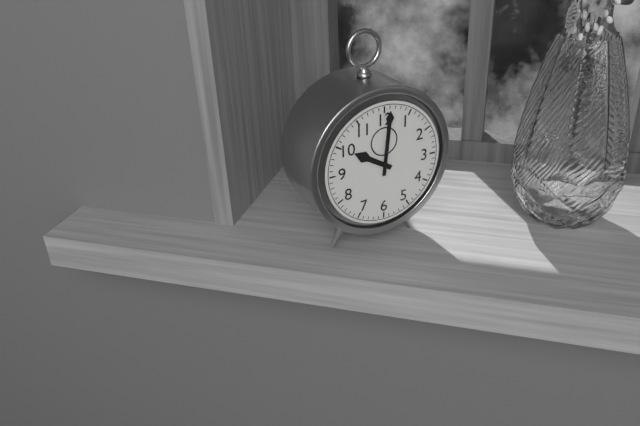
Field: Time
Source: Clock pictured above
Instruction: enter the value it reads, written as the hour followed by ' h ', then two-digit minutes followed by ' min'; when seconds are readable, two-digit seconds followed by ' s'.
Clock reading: 10 h 01 min
